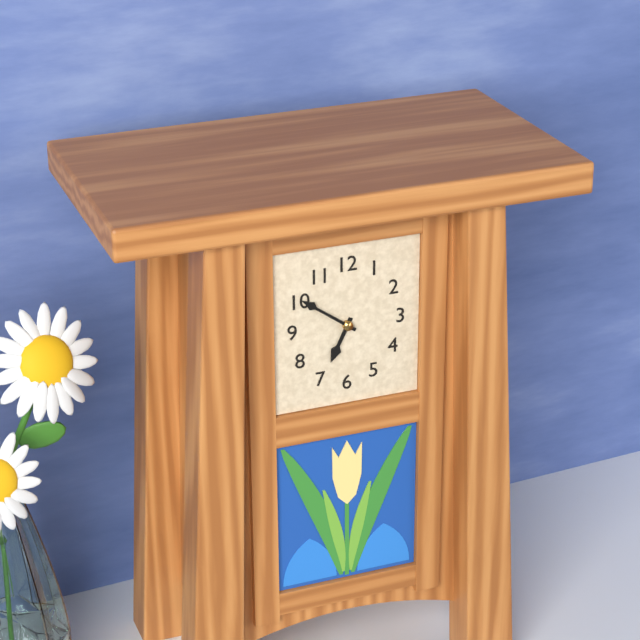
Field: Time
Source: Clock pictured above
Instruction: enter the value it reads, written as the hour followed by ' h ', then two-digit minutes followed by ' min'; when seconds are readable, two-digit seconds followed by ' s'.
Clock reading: 6 h 51 min
